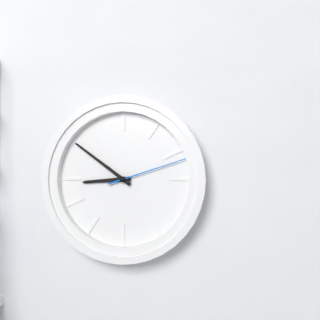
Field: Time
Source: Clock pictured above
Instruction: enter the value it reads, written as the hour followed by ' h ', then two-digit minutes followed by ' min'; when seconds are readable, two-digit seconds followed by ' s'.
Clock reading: 8 h 51 min 12 s
